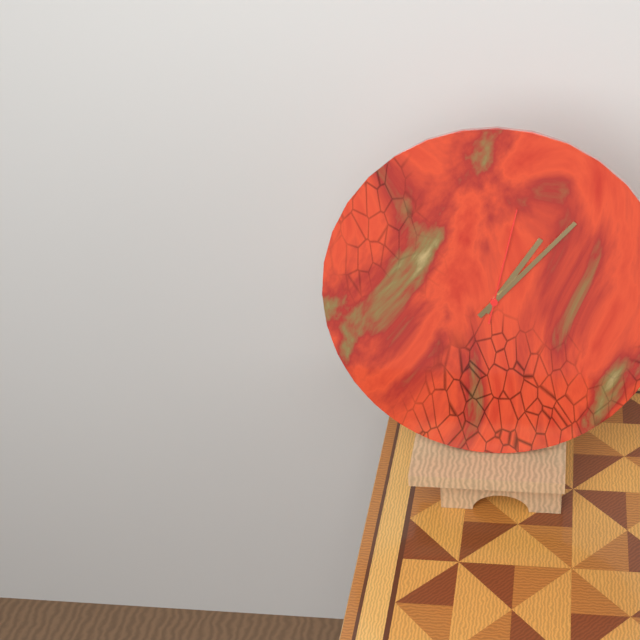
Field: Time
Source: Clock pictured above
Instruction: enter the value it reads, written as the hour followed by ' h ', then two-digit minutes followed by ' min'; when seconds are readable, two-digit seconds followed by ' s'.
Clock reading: 1 h 07 min 02 s
